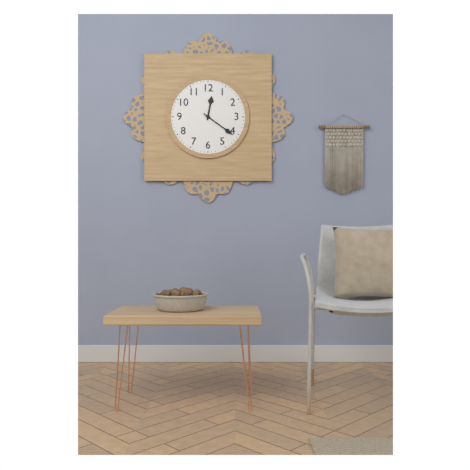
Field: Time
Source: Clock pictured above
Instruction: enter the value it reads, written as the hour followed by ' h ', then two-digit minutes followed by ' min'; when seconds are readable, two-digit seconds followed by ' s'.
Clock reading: 12 h 21 min
